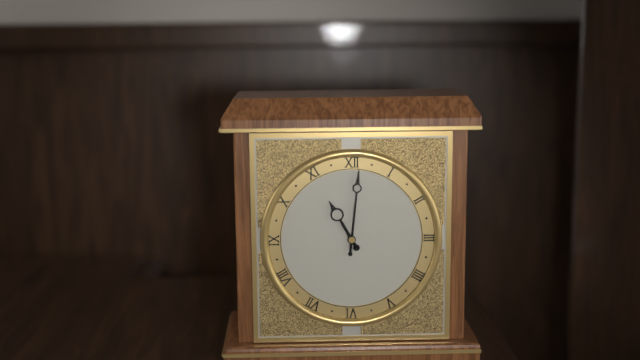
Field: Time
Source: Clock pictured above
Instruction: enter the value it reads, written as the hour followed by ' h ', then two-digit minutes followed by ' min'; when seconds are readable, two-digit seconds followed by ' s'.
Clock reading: 11 h 01 min
